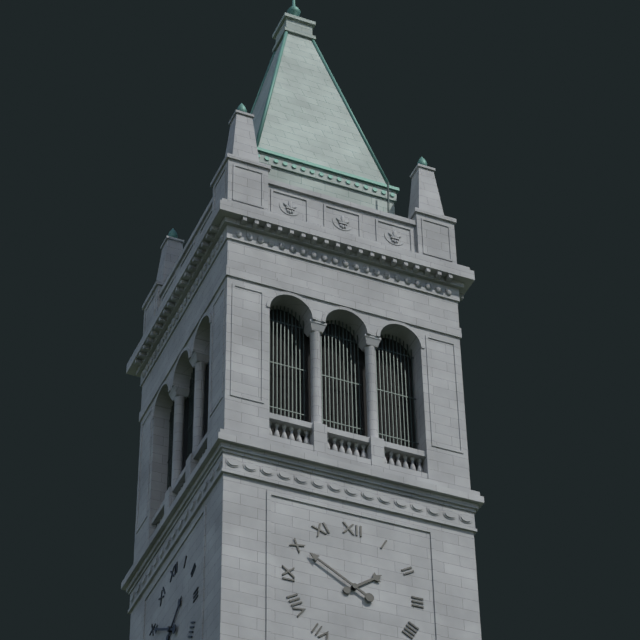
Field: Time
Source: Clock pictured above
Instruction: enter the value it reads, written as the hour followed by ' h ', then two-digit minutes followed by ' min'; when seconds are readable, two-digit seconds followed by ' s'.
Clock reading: 1 h 50 min
